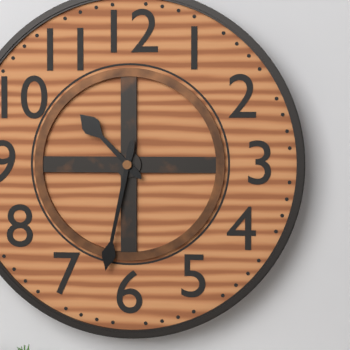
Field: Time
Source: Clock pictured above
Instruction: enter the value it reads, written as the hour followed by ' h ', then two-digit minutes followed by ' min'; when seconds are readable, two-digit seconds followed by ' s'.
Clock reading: 10 h 32 min
